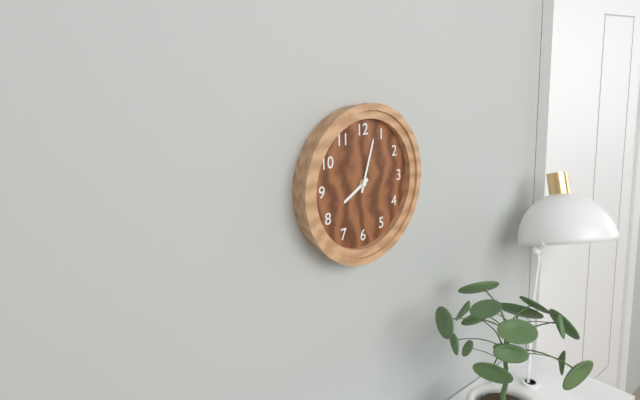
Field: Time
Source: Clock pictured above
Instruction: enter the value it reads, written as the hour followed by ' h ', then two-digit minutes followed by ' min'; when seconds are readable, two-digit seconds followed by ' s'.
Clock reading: 8 h 03 min
